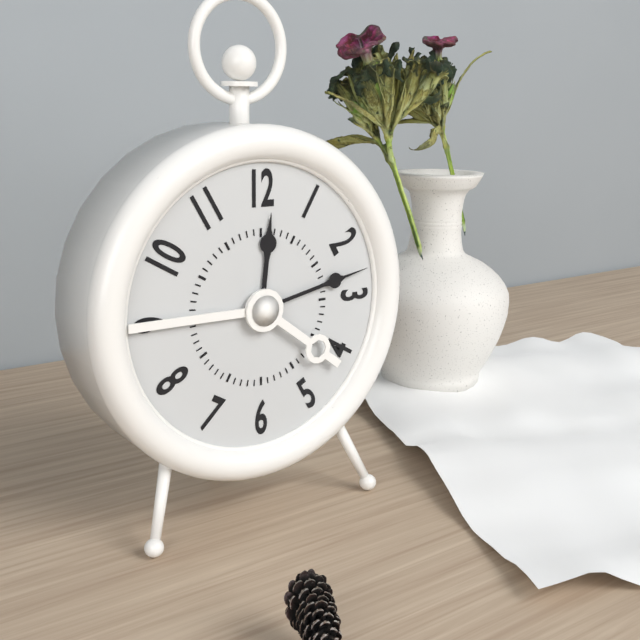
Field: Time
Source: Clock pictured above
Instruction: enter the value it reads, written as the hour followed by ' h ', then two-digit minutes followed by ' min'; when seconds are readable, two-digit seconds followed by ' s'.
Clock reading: 12 h 13 min
